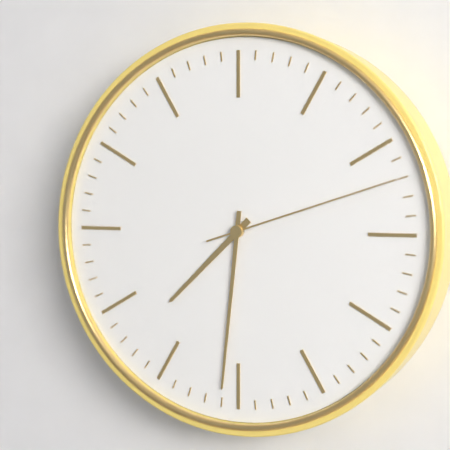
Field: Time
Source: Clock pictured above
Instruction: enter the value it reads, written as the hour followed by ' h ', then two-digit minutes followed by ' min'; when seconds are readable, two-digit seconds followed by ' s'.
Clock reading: 7 h 31 min 12 s
